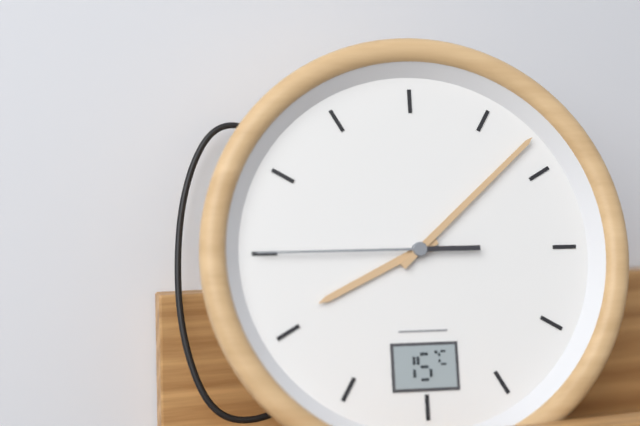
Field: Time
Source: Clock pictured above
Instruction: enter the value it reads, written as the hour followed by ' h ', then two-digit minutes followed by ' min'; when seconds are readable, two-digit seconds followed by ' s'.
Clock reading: 8 h 08 min 45 s
